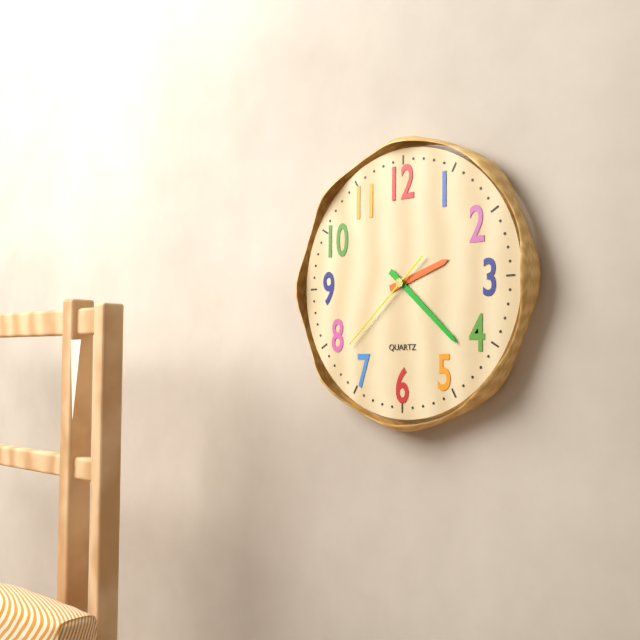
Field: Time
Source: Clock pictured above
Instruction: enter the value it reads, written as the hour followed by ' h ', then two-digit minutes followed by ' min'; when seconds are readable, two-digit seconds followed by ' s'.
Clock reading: 2 h 22 min 38 s
